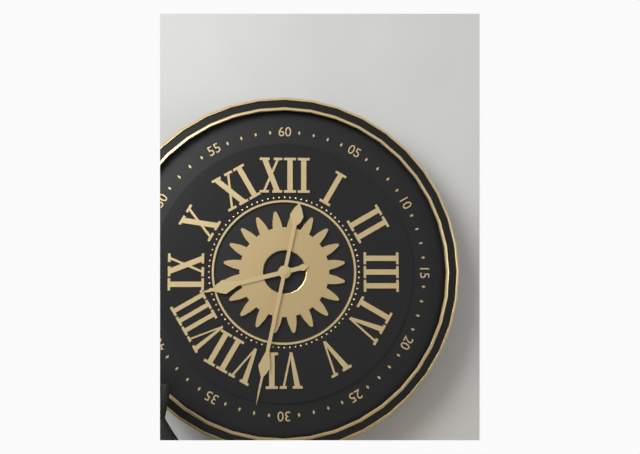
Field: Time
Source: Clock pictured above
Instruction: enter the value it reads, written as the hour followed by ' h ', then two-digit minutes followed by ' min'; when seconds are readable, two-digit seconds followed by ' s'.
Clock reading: 8 h 32 min
